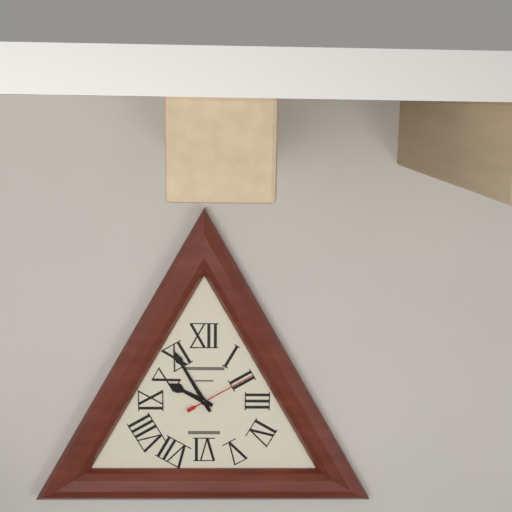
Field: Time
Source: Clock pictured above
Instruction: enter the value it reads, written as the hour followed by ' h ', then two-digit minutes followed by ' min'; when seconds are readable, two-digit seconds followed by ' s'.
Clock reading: 9 h 55 min 10 s
